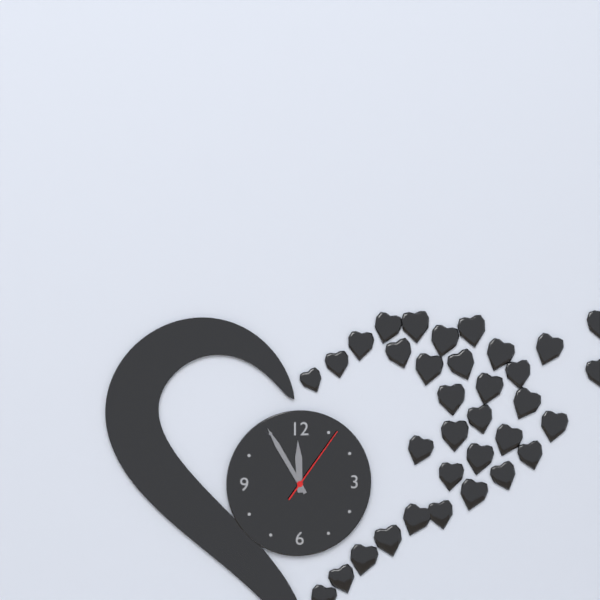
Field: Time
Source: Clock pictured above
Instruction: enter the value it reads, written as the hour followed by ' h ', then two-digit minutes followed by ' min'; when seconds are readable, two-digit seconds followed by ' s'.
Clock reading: 11 h 55 min 06 s
